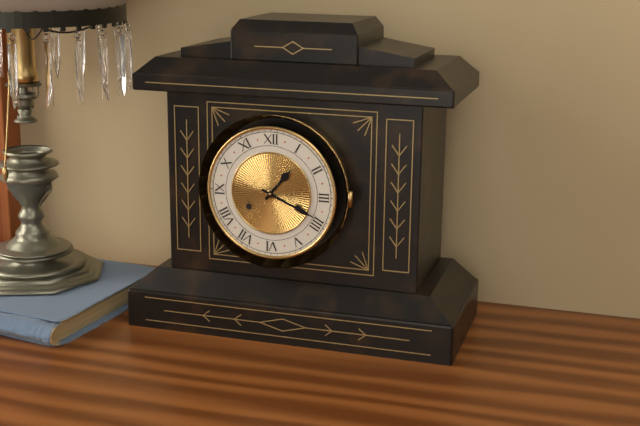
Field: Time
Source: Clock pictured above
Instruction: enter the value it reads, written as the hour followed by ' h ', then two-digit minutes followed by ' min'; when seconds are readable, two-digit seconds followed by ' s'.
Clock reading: 1 h 19 min
